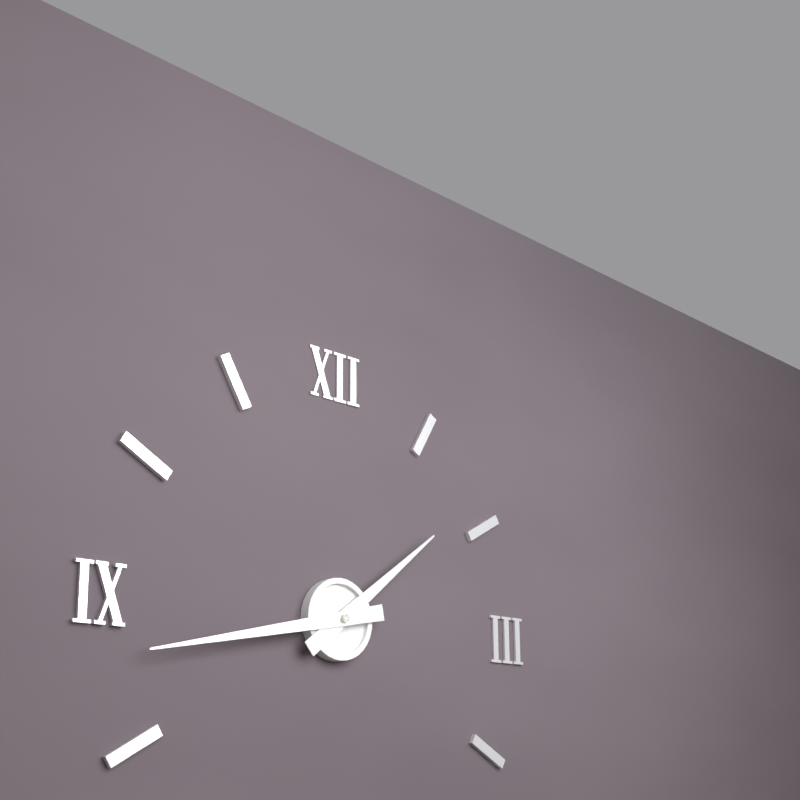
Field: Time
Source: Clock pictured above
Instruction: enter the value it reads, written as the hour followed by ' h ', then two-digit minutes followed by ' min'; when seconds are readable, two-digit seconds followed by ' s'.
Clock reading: 1 h 43 min
